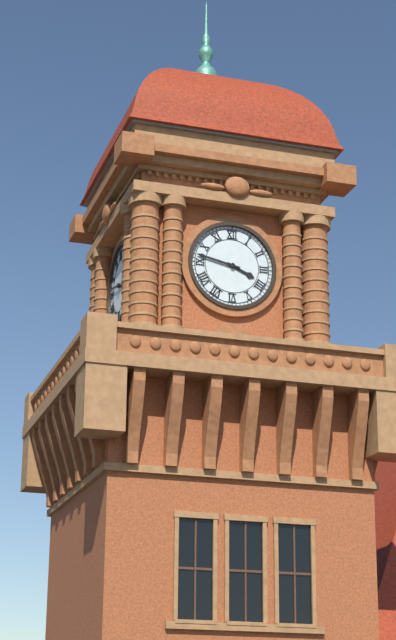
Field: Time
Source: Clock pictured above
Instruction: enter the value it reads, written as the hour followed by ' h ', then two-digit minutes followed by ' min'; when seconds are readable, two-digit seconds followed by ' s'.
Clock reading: 3 h 47 min
